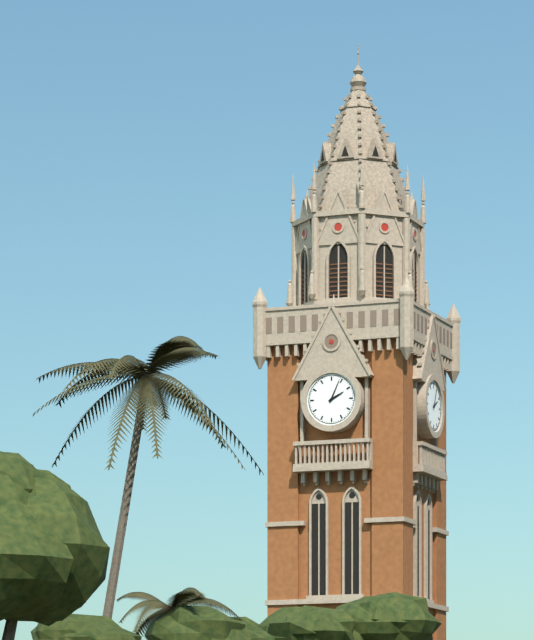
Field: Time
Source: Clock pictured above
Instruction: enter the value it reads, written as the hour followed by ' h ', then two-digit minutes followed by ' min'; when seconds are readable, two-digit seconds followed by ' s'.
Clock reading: 2 h 04 min
